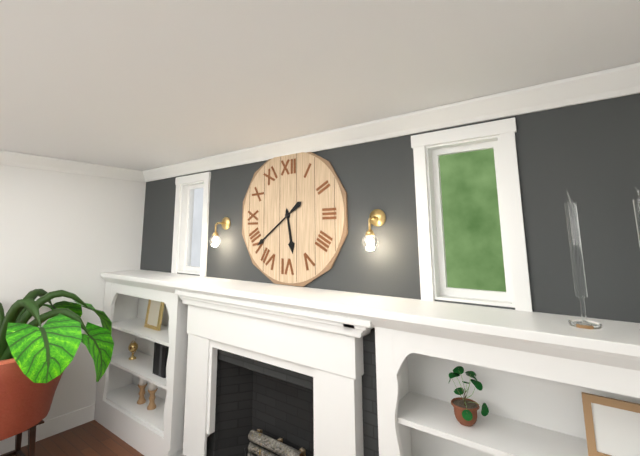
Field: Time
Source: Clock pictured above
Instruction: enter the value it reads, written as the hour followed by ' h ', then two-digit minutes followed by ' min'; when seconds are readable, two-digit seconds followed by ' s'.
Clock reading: 5 h 39 min
